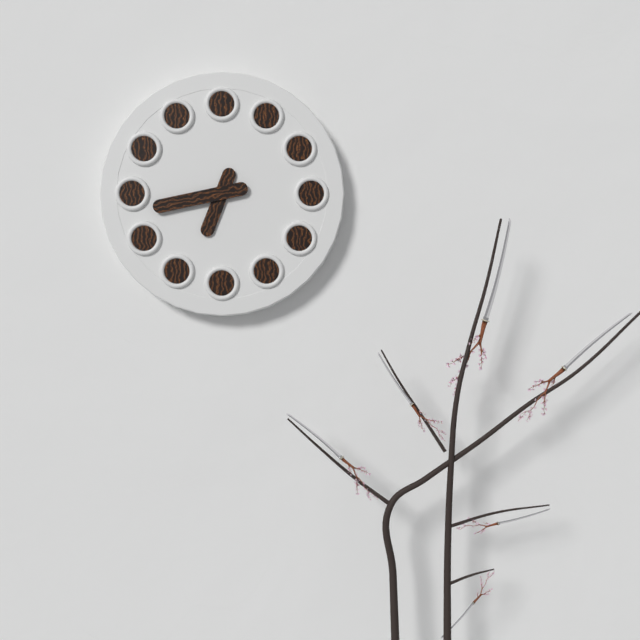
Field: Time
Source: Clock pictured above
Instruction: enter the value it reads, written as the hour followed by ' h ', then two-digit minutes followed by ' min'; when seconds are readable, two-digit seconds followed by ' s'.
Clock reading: 6 h 43 min
